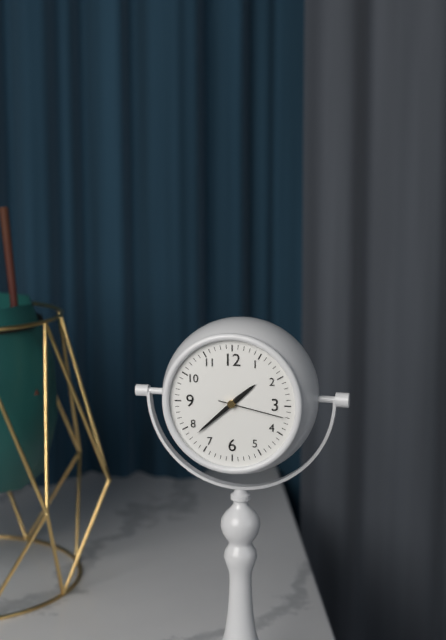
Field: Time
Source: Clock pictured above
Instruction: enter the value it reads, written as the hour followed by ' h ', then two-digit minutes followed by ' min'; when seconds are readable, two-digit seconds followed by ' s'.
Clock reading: 1 h 38 min 17 s
